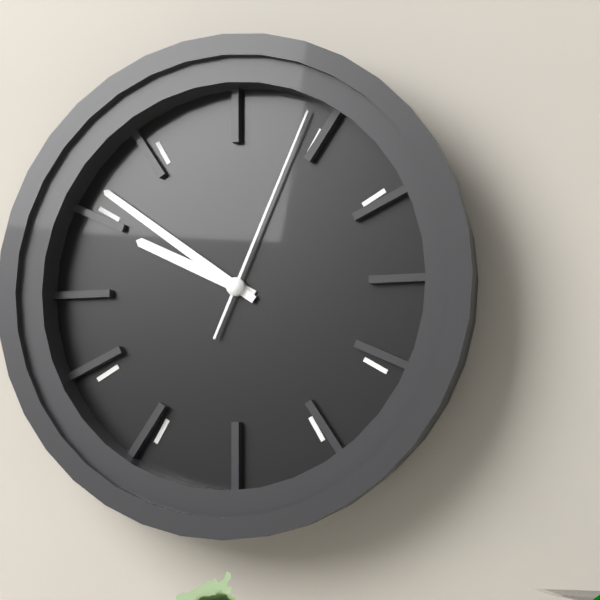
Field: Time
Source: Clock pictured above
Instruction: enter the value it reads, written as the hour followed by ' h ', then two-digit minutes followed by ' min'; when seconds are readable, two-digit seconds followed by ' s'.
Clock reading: 9 h 51 min 04 s
